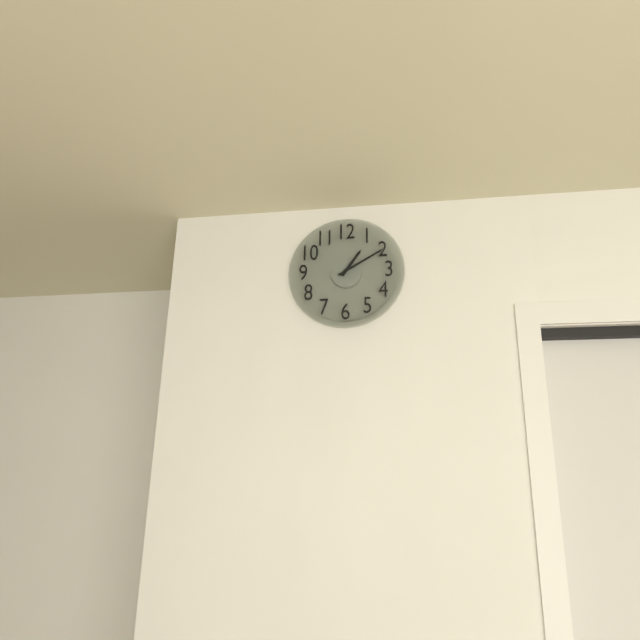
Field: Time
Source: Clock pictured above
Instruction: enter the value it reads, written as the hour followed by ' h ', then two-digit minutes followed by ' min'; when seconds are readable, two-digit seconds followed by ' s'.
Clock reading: 1 h 10 min
